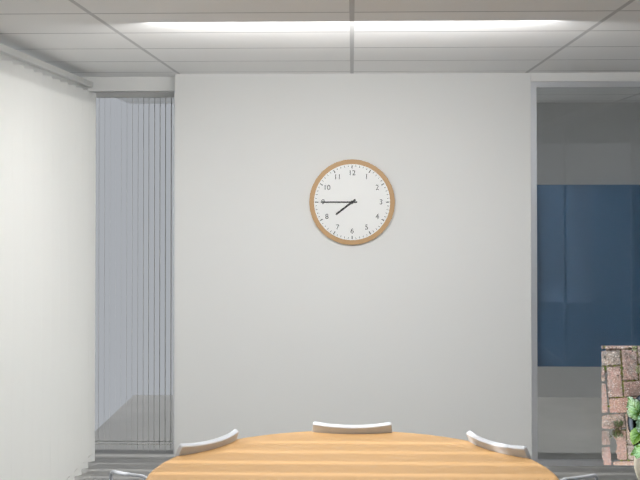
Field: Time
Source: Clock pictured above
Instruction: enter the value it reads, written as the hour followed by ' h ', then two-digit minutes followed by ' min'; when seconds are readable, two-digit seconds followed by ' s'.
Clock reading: 7 h 45 min
